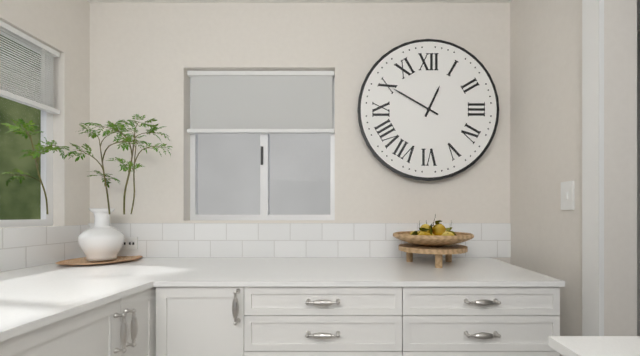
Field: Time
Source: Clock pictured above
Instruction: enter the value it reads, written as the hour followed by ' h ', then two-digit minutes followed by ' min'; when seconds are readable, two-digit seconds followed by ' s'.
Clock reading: 12 h 50 min
